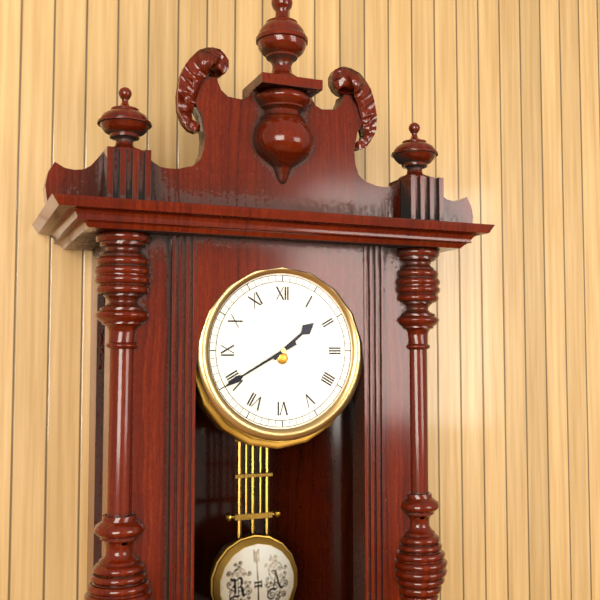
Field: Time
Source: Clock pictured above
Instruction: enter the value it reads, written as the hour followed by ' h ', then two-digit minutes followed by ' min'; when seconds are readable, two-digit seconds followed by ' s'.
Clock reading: 1 h 40 min
